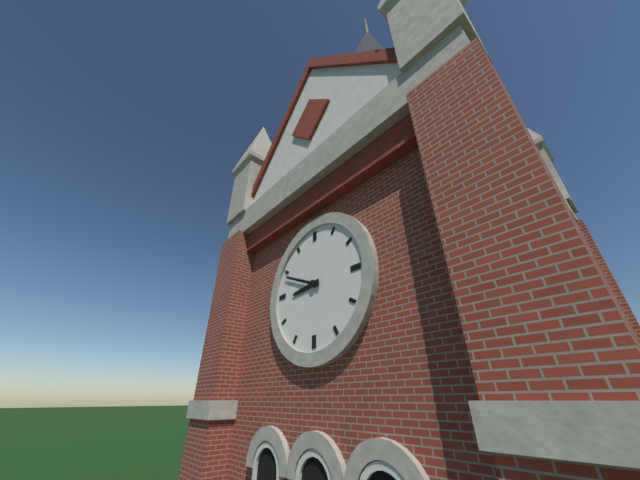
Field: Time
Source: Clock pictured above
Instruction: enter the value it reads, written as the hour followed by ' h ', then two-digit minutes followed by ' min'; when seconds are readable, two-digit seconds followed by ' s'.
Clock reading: 8 h 49 min
